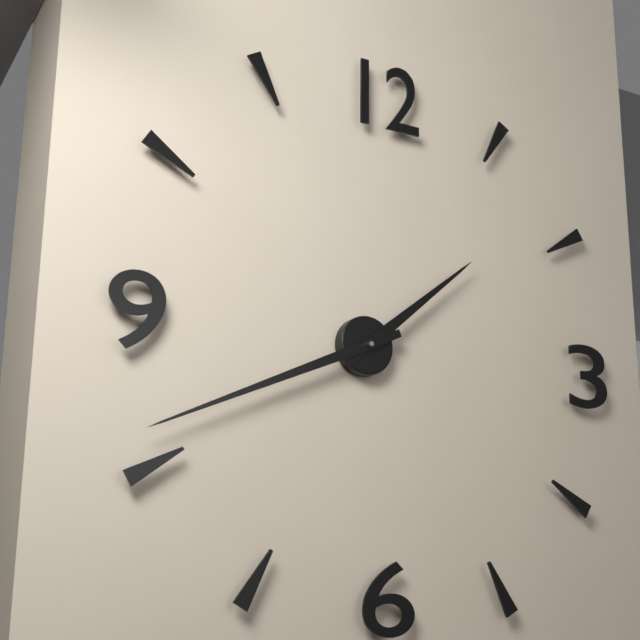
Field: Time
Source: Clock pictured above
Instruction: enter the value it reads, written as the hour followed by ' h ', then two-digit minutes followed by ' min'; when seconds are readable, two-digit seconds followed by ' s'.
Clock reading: 1 h 41 min
